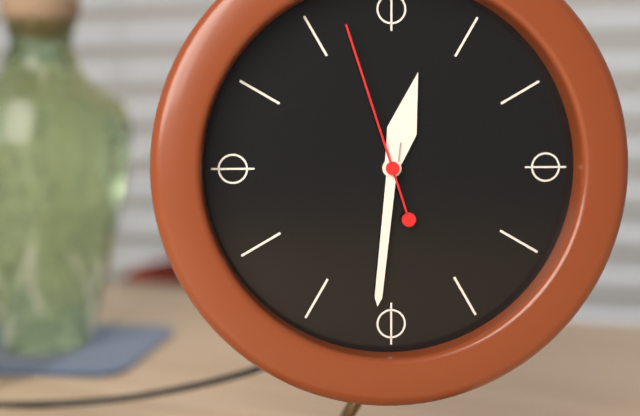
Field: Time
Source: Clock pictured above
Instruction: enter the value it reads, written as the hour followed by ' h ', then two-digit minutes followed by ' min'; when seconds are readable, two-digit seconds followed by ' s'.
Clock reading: 12 h 31 min 57 s
